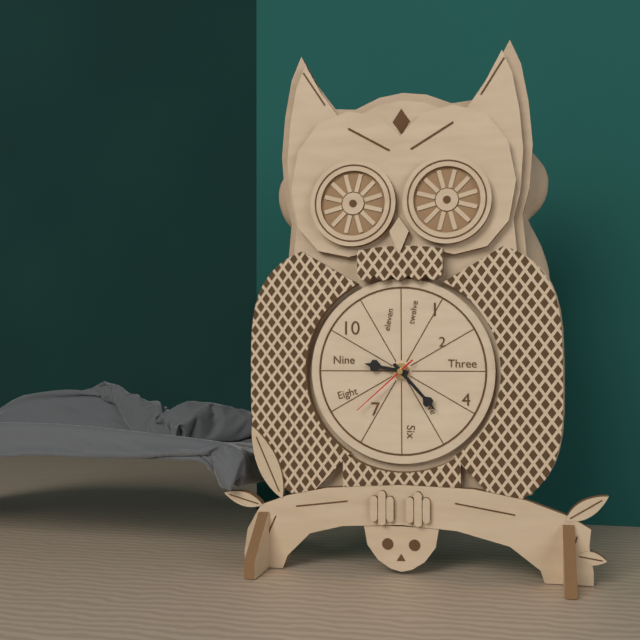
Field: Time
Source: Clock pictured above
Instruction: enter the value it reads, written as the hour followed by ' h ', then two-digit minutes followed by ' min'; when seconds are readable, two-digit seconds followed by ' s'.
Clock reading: 9 h 23 min 38 s
